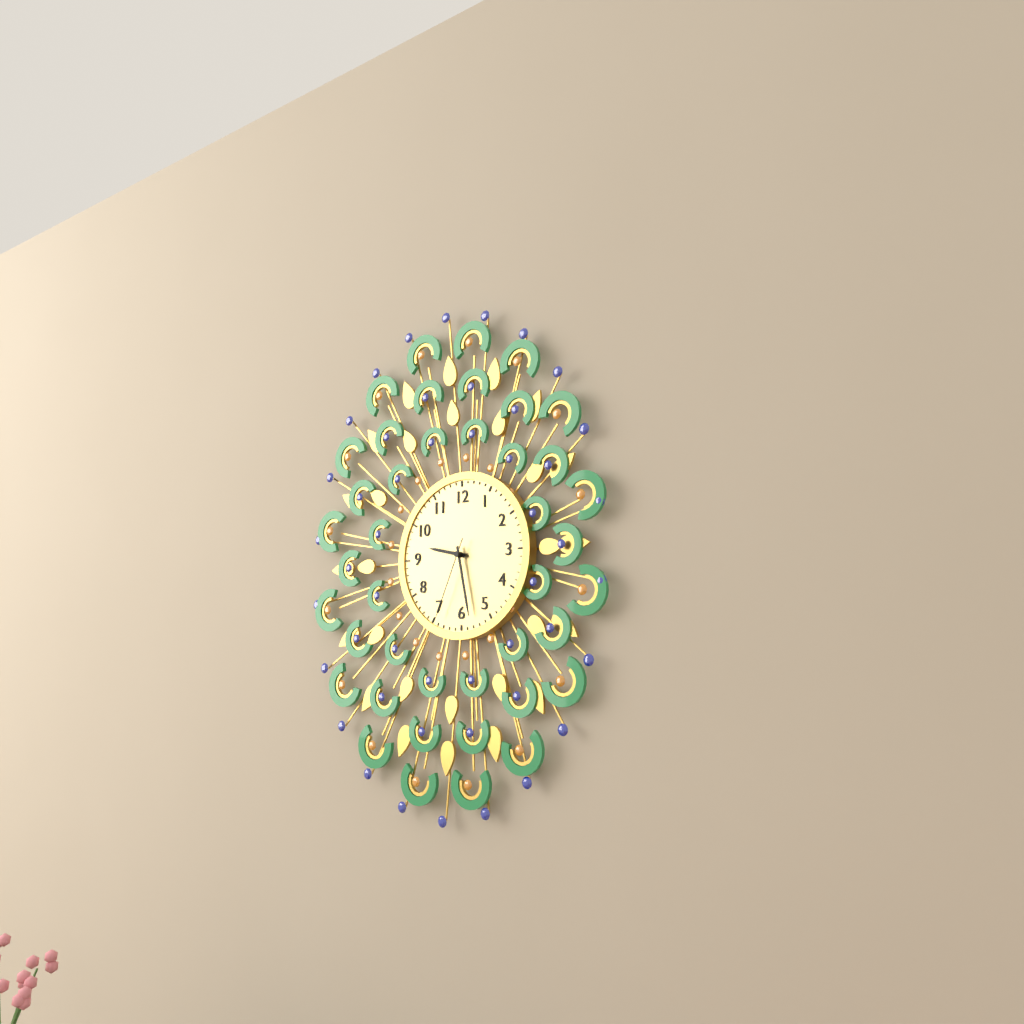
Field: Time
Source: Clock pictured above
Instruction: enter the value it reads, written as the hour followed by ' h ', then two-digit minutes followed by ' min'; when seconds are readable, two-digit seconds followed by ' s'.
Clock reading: 9 h 28 min 34 s
